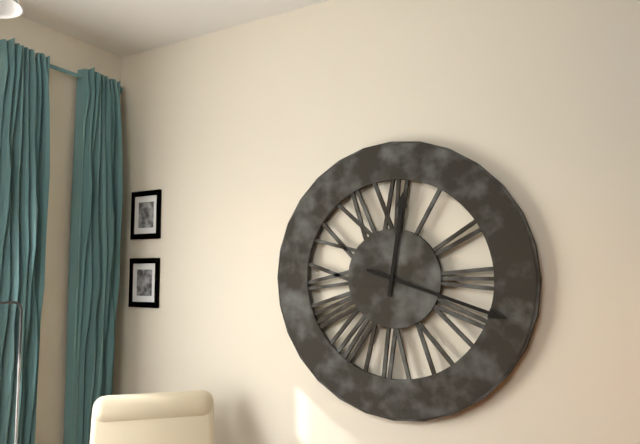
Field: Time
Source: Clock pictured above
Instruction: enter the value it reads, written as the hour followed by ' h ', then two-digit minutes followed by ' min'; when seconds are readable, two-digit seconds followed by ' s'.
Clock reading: 12 h 18 min
